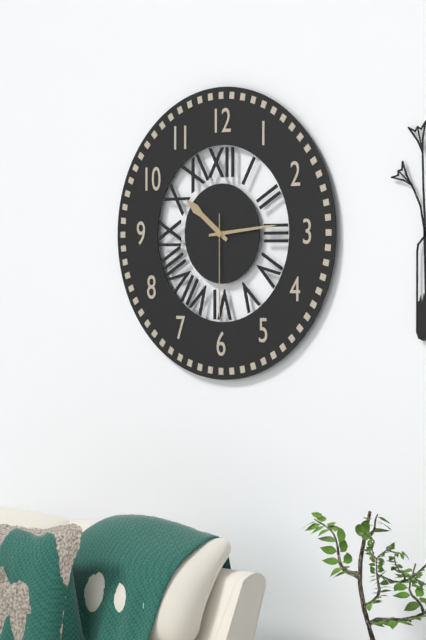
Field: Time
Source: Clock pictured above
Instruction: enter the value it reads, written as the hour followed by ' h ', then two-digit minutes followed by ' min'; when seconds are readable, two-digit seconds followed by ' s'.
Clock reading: 10 h 14 min 30 s
